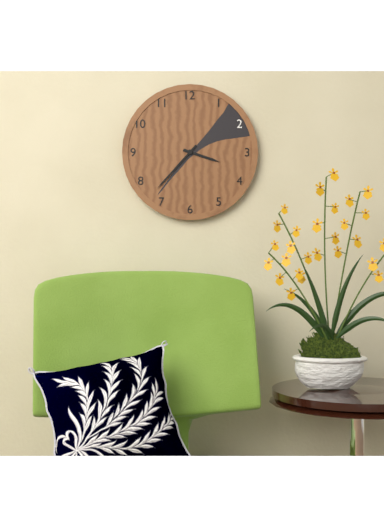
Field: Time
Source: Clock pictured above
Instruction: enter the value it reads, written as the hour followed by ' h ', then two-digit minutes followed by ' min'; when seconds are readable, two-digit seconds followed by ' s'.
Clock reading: 3 h 37 min
